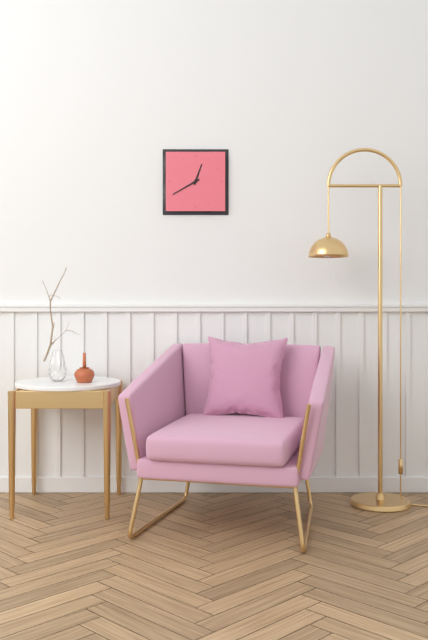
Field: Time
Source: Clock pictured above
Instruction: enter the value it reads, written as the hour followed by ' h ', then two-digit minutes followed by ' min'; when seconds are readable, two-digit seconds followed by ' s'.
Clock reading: 12 h 40 min
